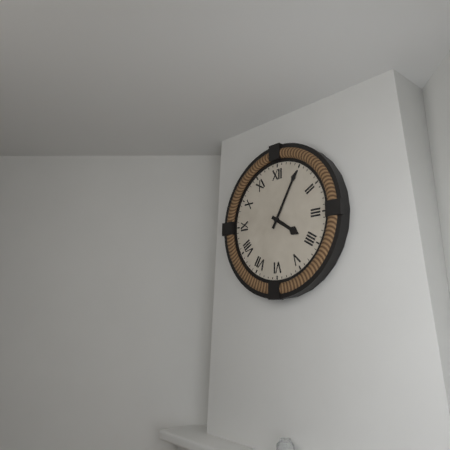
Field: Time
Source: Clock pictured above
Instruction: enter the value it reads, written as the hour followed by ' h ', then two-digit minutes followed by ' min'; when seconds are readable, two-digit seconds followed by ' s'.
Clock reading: 4 h 05 min
